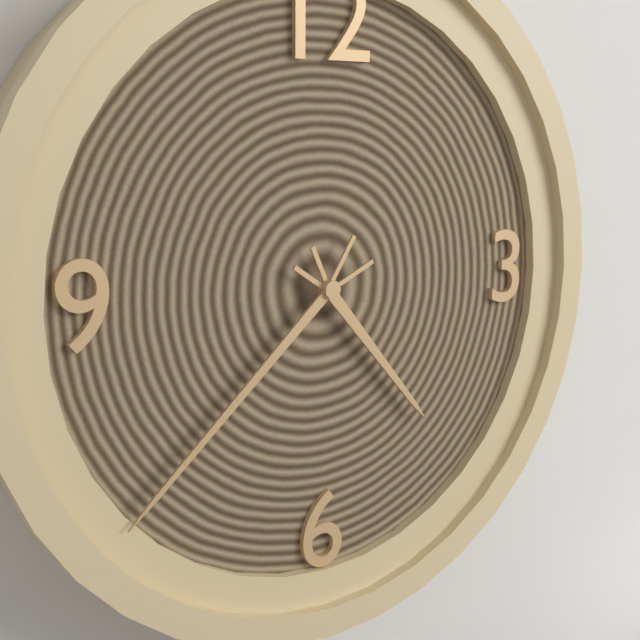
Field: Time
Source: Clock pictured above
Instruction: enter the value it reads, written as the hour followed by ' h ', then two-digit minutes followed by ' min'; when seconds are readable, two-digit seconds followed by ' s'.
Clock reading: 4 h 38 min
